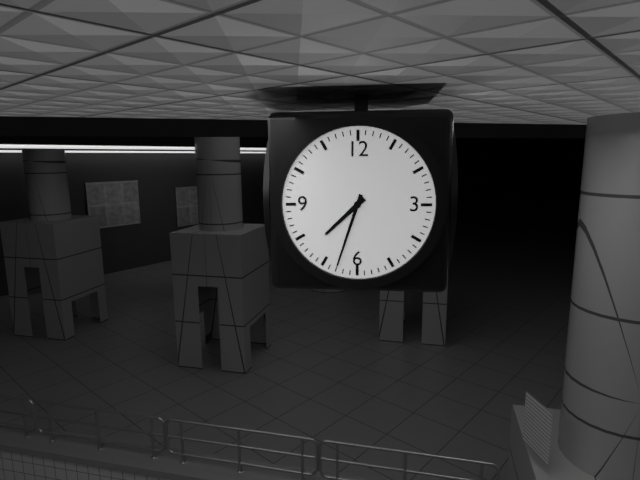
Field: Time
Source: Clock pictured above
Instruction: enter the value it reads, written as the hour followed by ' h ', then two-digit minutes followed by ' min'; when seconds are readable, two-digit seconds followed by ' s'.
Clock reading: 7 h 33 min
